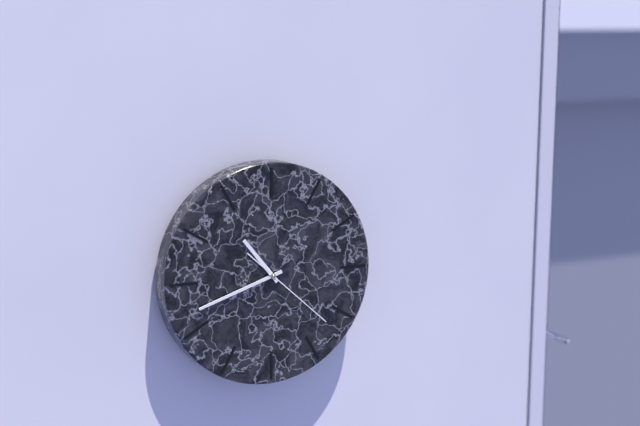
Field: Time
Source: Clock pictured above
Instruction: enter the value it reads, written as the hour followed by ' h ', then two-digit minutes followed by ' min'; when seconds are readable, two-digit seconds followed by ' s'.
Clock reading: 10 h 42 min 22 s
